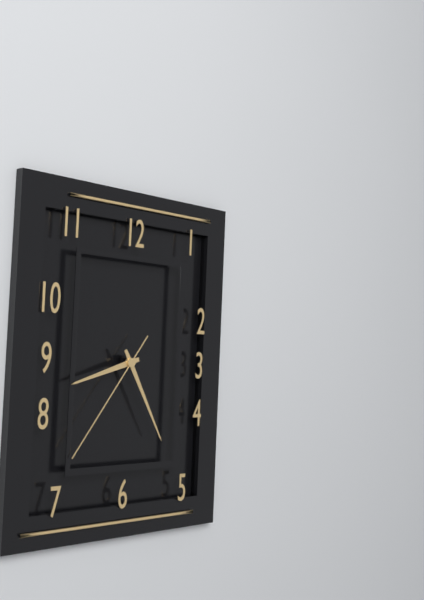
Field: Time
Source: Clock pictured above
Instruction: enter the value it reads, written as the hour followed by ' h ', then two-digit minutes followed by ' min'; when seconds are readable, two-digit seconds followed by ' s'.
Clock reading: 8 h 25 min 36 s
